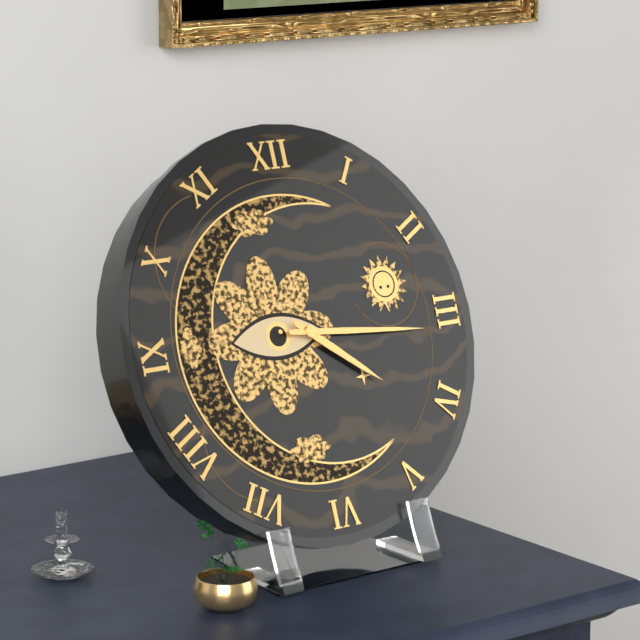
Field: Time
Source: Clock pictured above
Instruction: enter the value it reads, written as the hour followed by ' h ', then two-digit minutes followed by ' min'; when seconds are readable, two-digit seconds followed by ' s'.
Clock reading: 4 h 16 min
